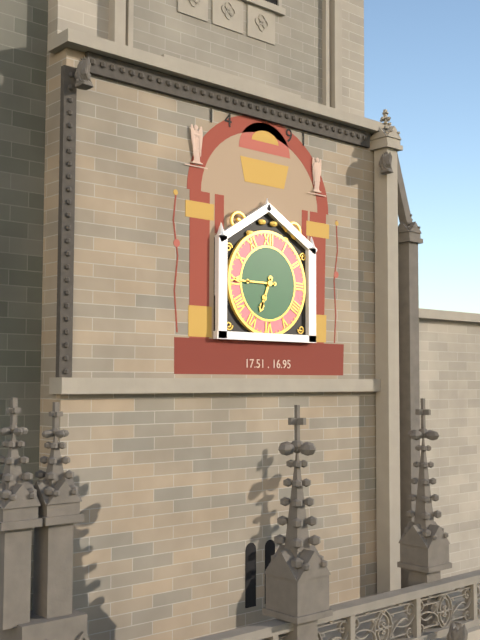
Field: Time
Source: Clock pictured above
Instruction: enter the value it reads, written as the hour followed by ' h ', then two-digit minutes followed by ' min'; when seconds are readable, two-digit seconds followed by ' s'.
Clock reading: 6 h 45 min
